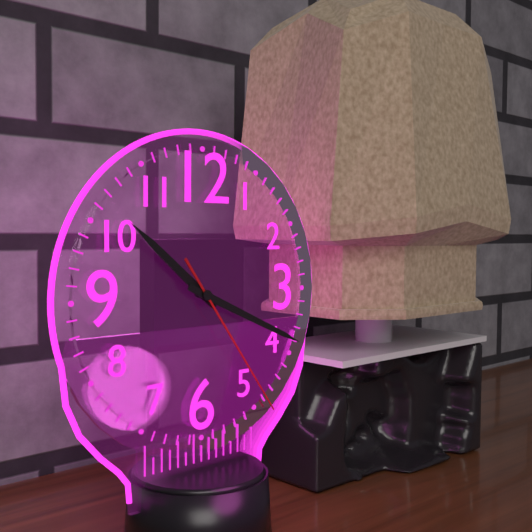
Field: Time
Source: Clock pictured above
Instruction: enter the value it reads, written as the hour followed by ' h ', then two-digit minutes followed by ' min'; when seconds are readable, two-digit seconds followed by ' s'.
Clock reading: 10 h 19 min 24 s
